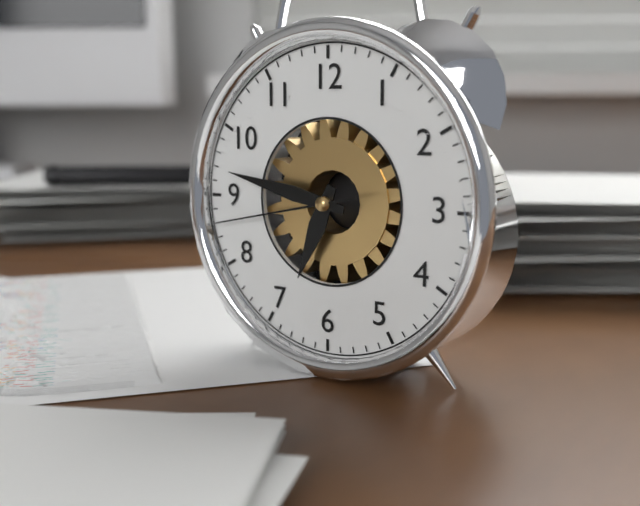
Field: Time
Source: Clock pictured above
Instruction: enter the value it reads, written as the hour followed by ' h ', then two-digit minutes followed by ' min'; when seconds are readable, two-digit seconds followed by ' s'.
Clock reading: 6 h 47 min 43 s
